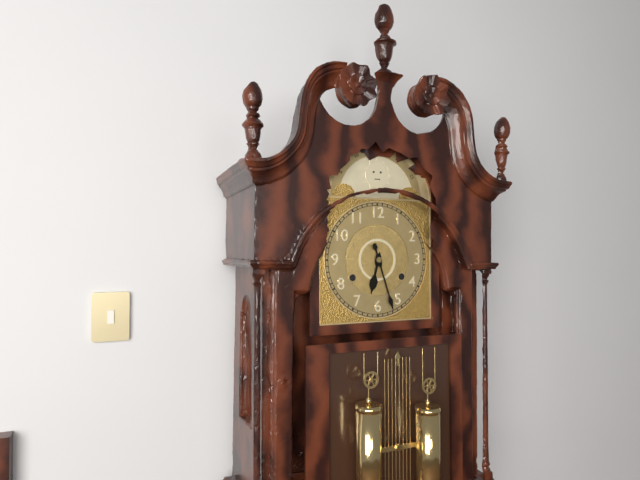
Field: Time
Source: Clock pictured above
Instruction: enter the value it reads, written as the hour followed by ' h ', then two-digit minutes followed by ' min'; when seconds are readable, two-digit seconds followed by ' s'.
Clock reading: 6 h 27 min
